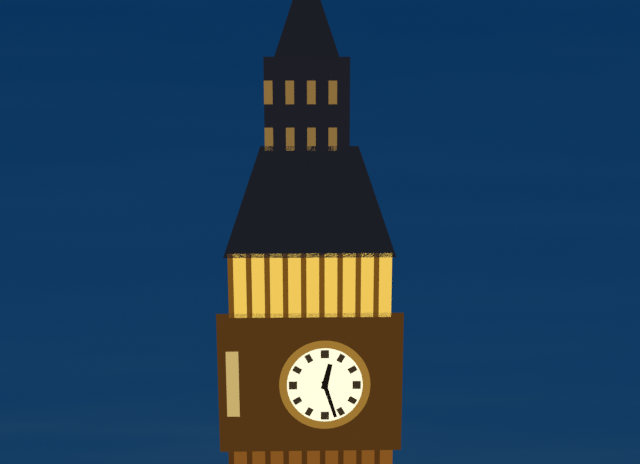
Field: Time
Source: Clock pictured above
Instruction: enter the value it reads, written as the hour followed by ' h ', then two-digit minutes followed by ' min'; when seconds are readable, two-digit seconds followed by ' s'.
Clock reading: 12 h 27 min
